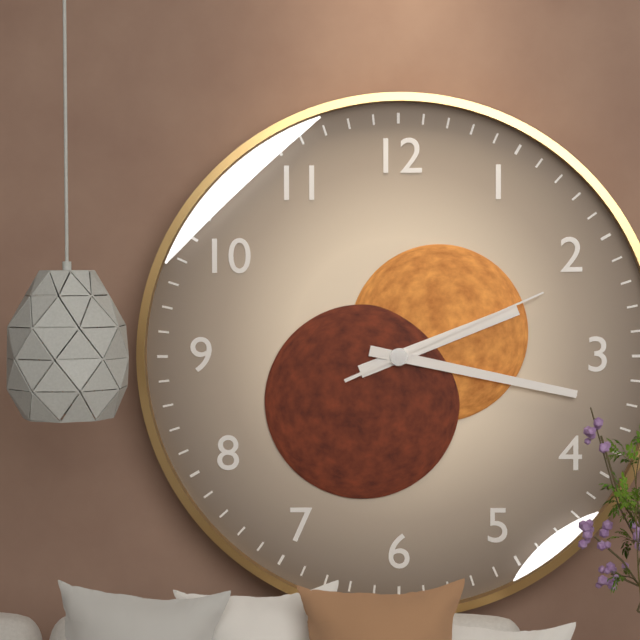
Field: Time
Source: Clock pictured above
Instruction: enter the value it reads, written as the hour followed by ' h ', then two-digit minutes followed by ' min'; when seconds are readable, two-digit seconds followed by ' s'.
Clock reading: 2 h 17 min 11 s
